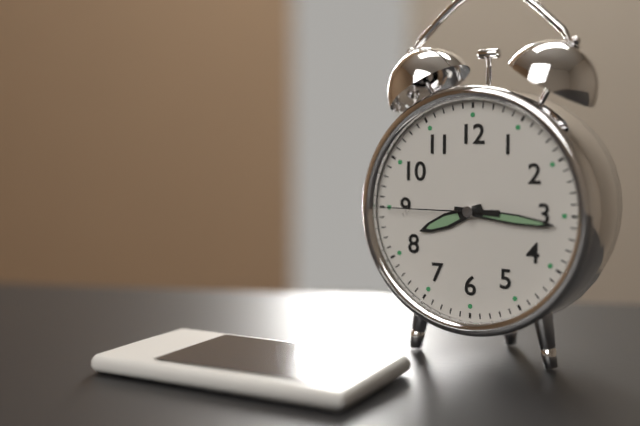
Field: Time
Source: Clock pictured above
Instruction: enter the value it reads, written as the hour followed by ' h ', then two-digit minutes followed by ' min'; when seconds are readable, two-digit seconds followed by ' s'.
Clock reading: 8 h 16 min 45 s
